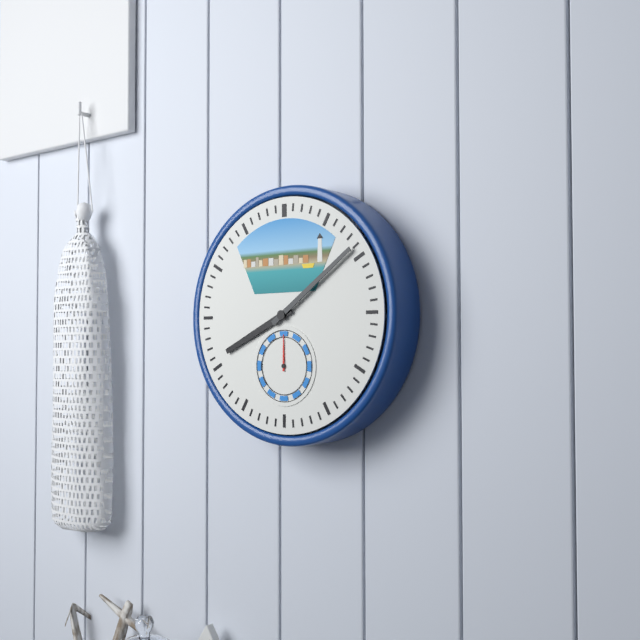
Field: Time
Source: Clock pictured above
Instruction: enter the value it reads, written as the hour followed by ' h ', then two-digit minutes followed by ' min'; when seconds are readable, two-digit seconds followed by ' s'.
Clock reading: 8 h 09 min
